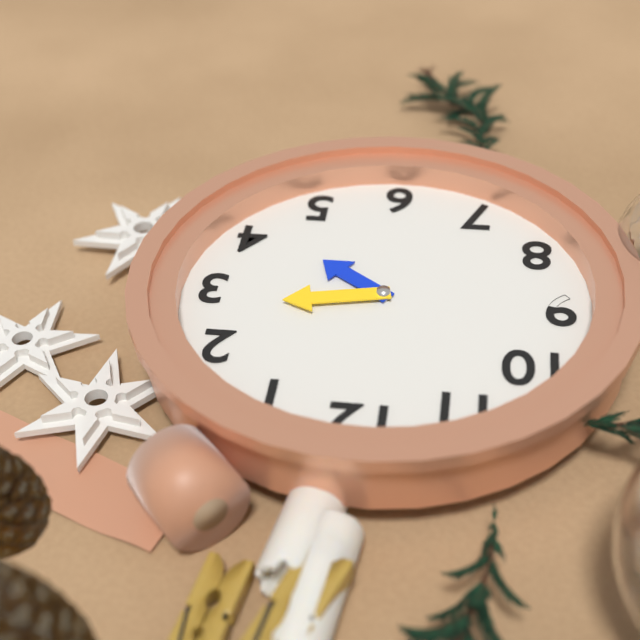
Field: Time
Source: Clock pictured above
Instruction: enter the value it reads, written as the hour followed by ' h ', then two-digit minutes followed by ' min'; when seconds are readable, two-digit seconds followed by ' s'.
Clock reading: 4 h 13 min
